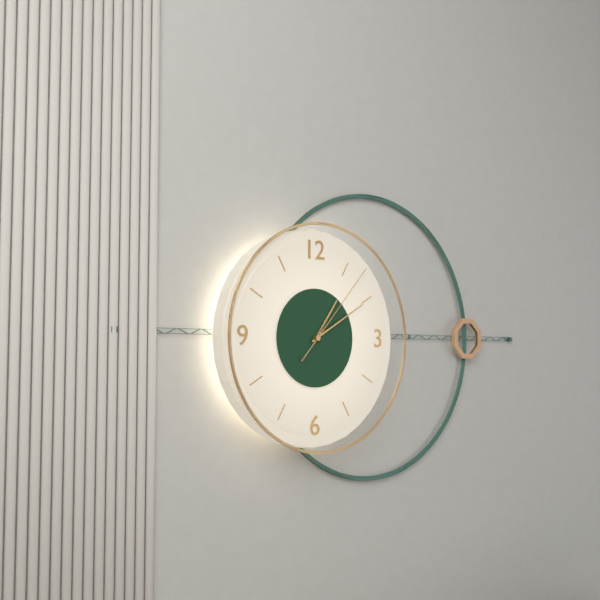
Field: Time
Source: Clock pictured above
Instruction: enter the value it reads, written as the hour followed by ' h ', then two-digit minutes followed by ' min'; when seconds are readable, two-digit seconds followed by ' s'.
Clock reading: 1 h 10 min 07 s
